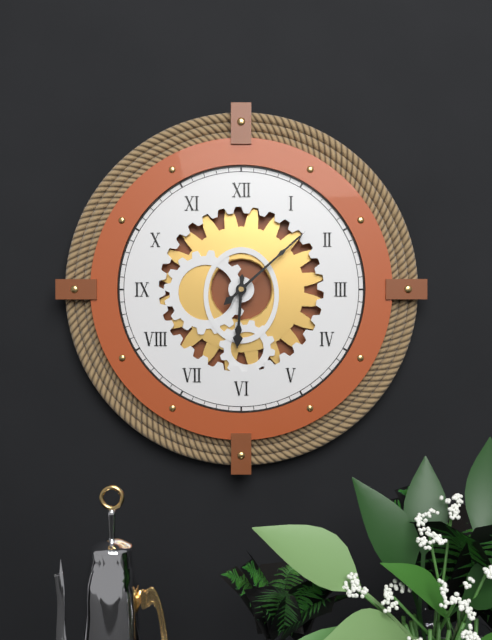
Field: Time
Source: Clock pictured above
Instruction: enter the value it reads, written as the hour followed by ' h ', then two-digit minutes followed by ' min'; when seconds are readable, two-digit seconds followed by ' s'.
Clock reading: 6 h 08 min
